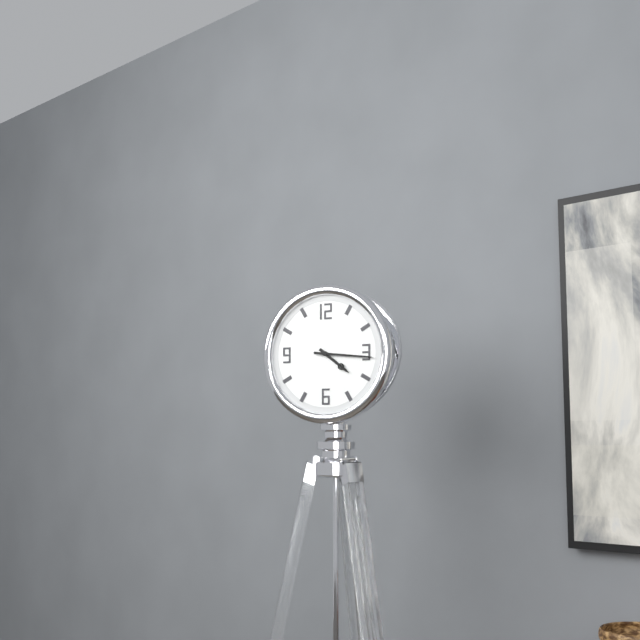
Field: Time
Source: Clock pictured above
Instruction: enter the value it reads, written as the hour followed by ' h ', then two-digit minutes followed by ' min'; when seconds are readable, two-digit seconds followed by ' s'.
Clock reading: 4 h 16 min
